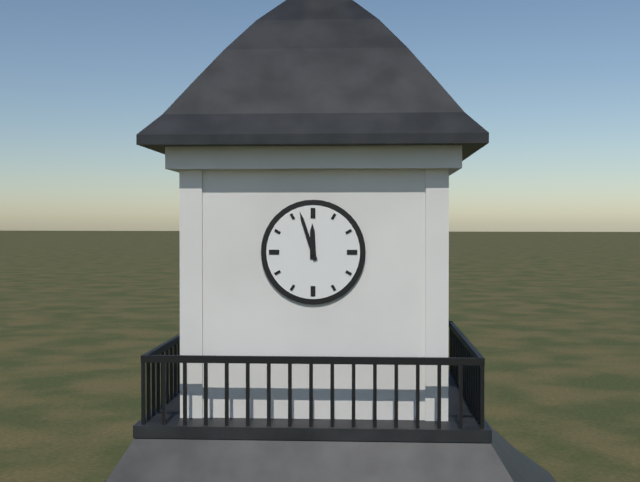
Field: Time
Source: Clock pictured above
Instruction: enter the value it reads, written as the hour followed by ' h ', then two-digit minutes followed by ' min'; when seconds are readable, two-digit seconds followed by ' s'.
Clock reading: 11 h 57 min
